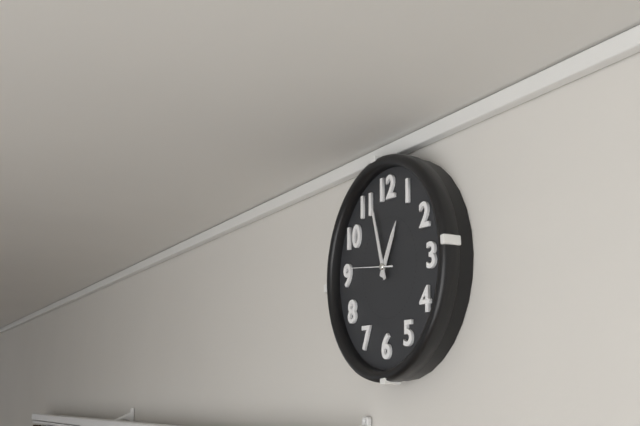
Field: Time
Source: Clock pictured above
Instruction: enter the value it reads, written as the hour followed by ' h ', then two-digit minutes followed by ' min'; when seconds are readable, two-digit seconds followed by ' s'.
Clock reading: 12 h 57 min 46 s
